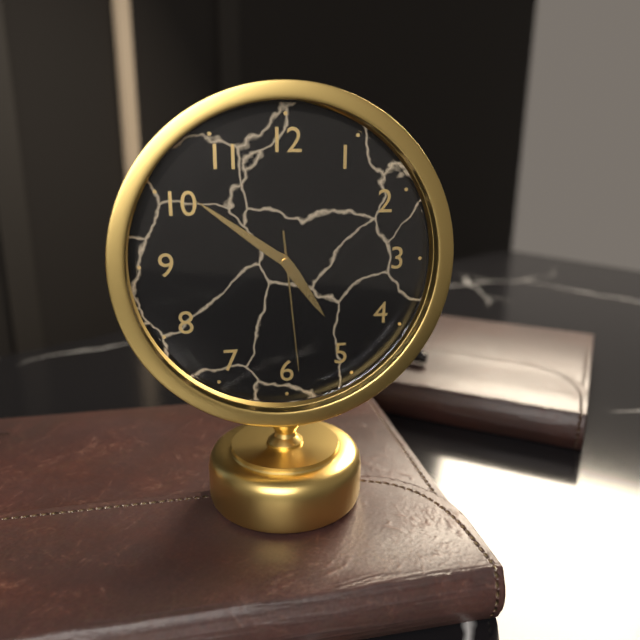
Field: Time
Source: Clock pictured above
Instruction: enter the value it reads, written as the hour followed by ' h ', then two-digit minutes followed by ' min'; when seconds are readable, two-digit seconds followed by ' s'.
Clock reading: 4 h 51 min 29 s
